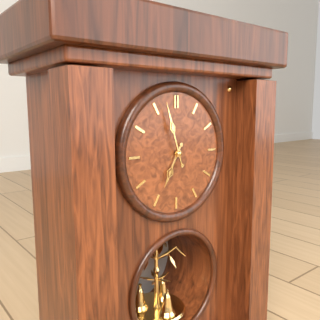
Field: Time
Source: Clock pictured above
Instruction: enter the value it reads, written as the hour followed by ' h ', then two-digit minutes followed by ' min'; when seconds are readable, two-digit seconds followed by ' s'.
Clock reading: 6 h 57 min
